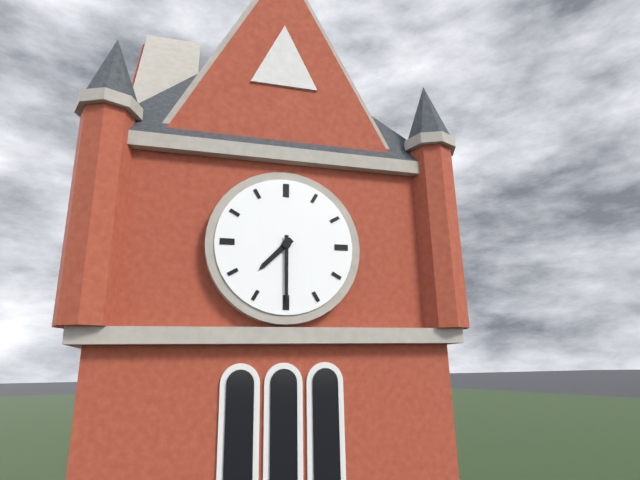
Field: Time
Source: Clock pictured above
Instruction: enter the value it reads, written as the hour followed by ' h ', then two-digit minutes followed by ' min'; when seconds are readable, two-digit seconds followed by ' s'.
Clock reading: 7 h 30 min
